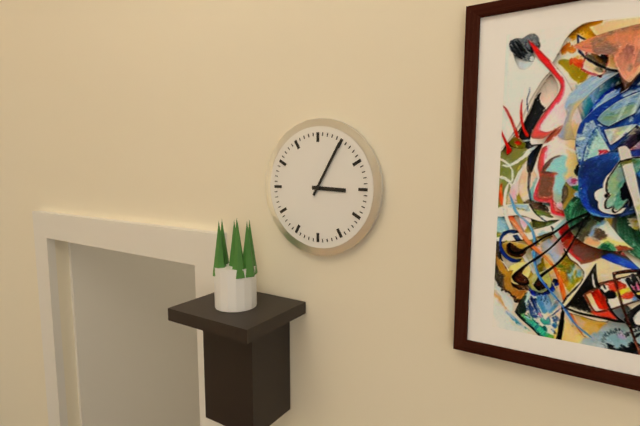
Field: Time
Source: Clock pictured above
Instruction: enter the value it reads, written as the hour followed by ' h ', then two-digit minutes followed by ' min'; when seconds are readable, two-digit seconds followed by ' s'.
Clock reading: 3 h 05 min
